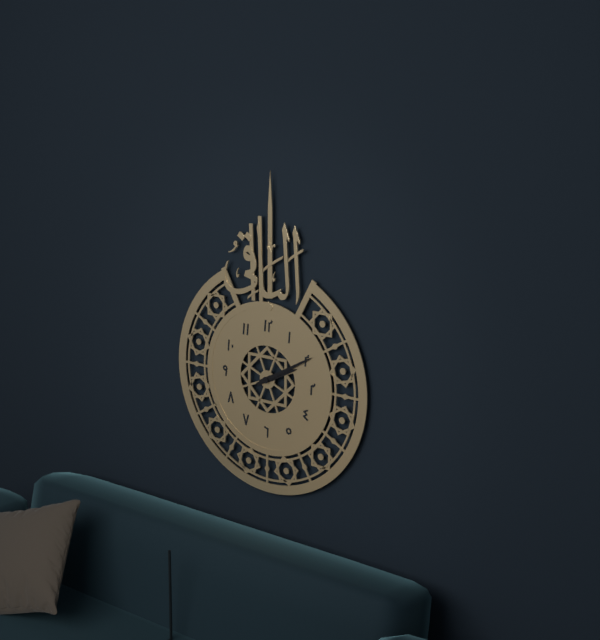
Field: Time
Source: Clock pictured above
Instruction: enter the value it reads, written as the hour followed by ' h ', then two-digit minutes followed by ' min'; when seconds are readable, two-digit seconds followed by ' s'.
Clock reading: 2 h 10 min
